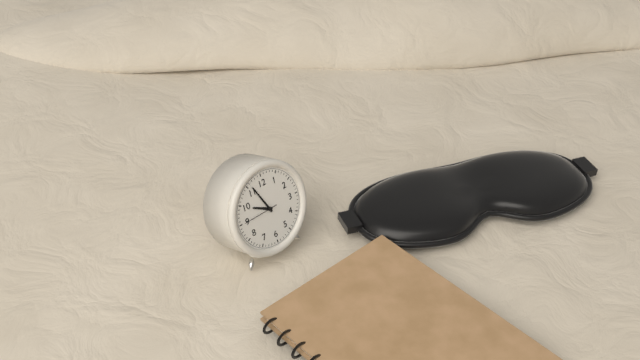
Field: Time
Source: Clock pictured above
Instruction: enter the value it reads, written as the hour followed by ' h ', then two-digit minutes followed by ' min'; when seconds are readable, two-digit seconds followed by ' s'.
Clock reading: 9 h 56 min
